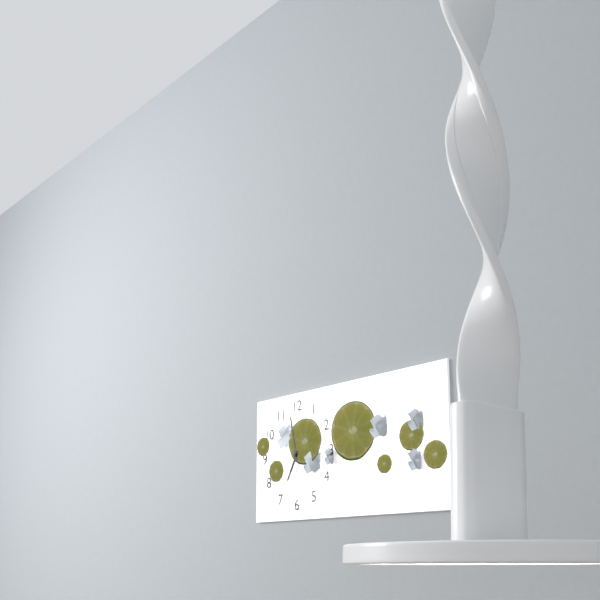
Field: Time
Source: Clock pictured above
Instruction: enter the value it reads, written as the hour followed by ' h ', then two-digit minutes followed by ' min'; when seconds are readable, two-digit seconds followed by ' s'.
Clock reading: 6 h 58 min
